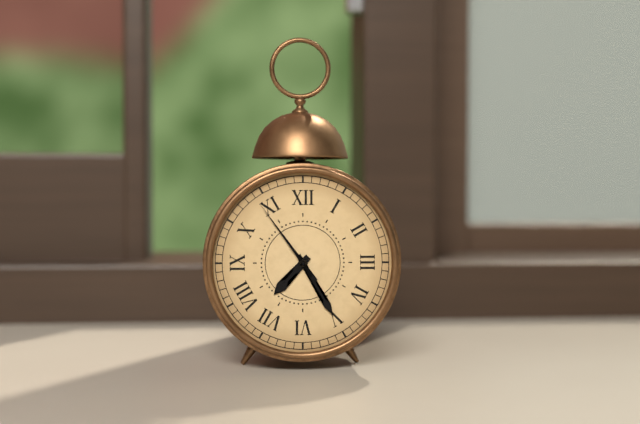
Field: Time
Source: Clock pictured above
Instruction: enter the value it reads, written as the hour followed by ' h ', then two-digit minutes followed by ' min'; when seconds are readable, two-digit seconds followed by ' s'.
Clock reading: 7 h 25 min 54 s
